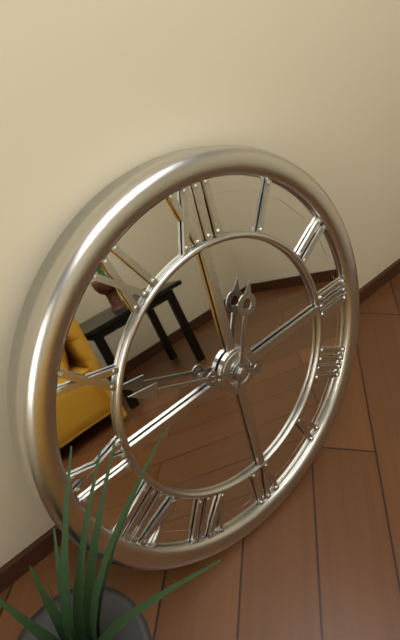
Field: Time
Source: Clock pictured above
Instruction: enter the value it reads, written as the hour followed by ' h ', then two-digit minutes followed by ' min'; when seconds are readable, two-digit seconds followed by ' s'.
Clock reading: 12 h 49 min
